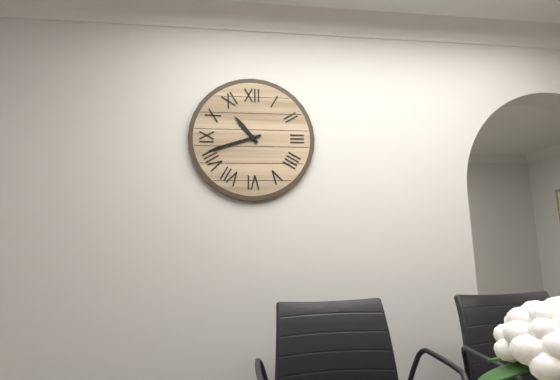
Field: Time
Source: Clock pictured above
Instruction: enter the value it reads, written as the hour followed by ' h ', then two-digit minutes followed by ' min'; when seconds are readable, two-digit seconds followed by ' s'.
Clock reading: 10 h 42 min
